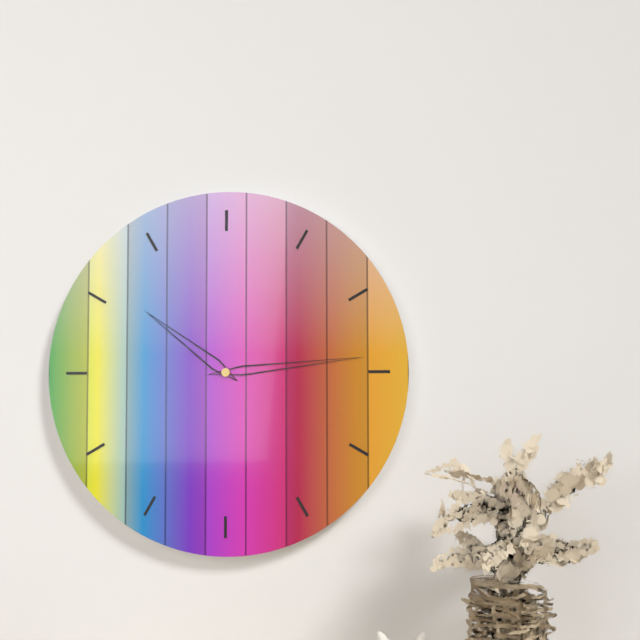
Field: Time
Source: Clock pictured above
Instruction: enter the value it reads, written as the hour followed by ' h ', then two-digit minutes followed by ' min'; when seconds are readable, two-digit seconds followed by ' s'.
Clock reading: 10 h 14 min
